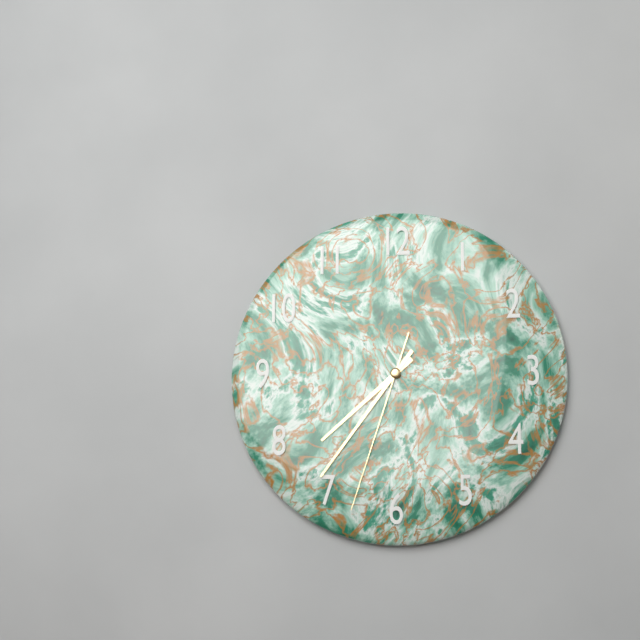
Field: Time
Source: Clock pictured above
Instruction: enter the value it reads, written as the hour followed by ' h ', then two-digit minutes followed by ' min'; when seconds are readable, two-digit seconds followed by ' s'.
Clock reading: 7 h 36 min 33 s
